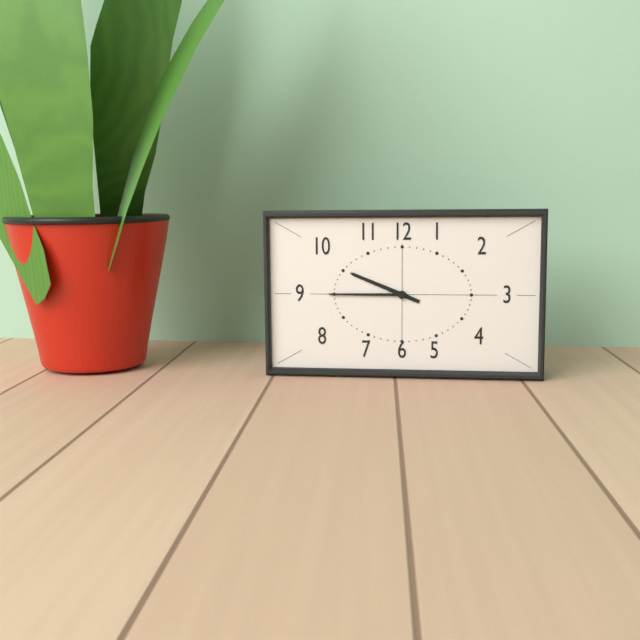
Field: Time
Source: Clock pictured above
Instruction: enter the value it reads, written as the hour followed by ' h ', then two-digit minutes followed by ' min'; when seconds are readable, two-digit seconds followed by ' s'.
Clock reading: 9 h 45 min
